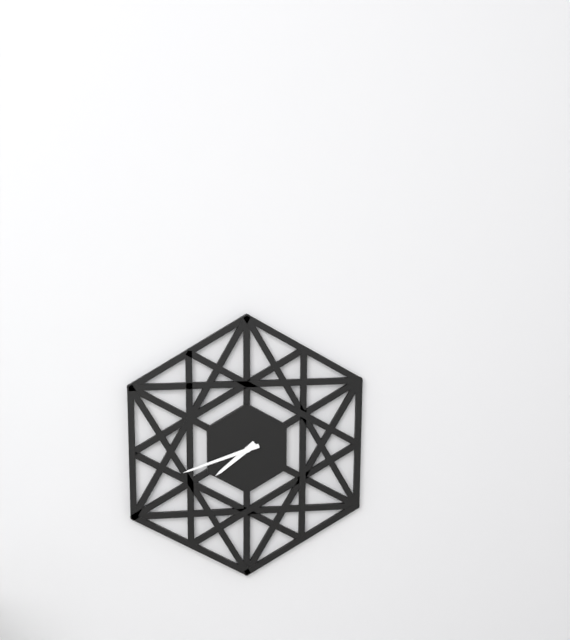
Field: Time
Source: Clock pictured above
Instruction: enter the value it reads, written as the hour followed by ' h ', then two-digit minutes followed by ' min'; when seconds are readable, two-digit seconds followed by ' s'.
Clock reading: 7 h 42 min
